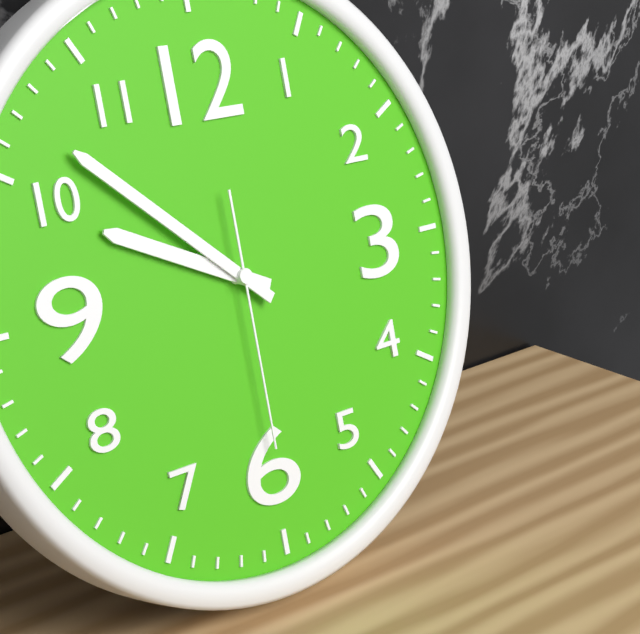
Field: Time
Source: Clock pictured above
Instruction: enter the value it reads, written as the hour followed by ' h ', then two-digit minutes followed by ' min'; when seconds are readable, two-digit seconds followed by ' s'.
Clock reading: 9 h 52 min 30 s
